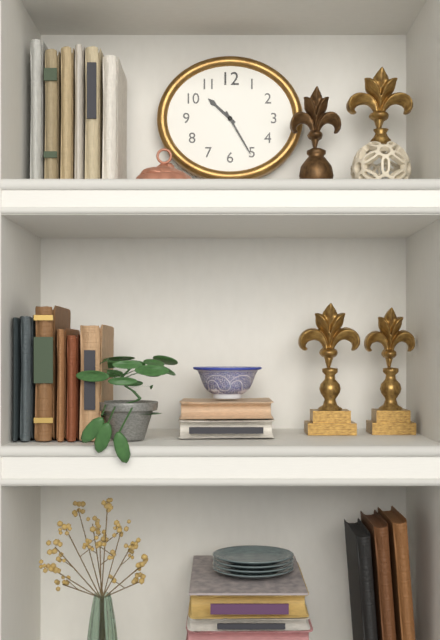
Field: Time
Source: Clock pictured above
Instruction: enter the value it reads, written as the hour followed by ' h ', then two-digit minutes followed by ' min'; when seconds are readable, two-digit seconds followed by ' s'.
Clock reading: 10 h 25 min
